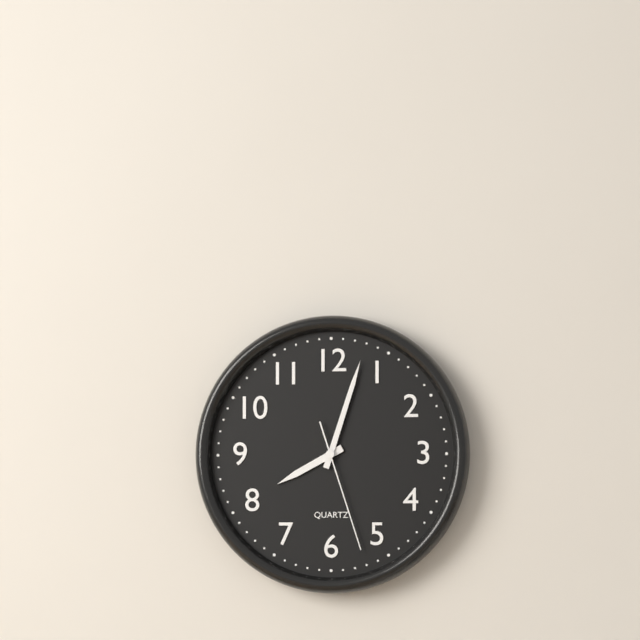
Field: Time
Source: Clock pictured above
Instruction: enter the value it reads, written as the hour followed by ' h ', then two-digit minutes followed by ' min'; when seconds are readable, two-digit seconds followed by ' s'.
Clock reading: 8 h 03 min 27 s
